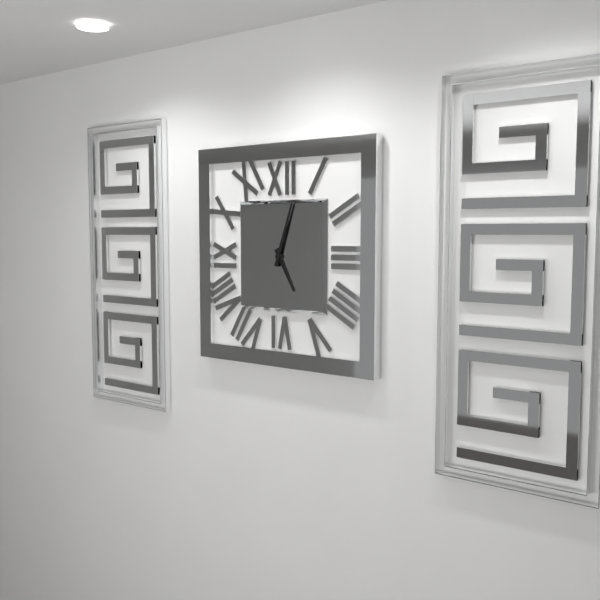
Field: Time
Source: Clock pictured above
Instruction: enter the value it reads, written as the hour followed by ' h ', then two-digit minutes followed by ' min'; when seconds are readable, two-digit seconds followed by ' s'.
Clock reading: 5 h 03 min
